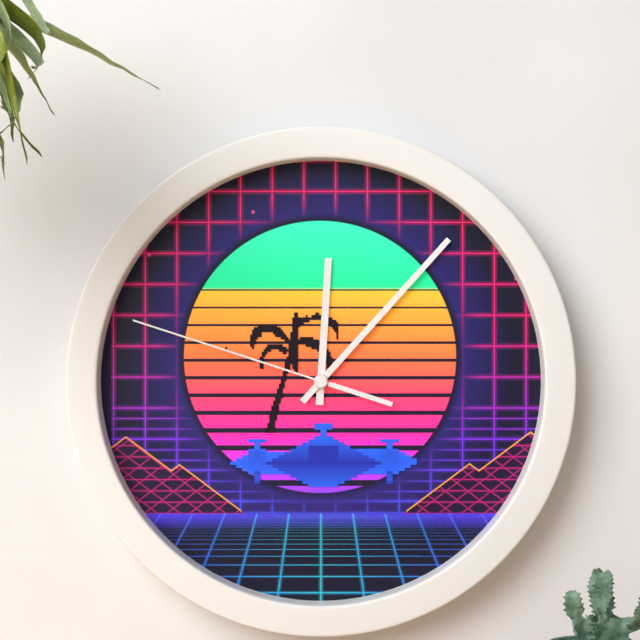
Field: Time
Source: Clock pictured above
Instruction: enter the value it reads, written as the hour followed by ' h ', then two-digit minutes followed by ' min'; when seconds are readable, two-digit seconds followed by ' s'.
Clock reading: 12 h 07 min 48 s
